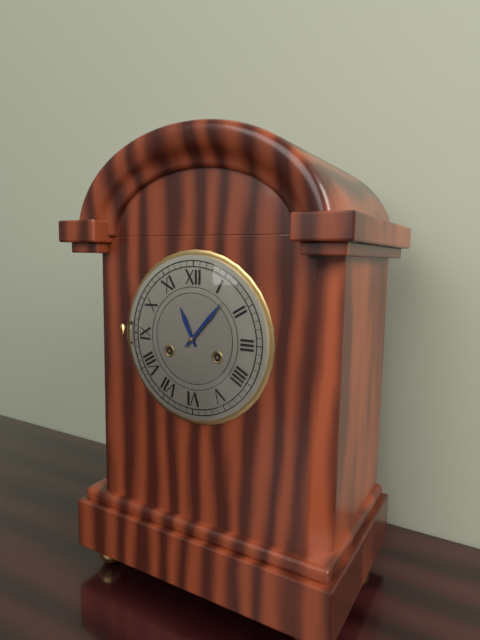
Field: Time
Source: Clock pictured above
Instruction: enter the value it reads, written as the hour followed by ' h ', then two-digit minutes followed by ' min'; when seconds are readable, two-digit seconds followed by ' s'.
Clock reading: 11 h 07 min
